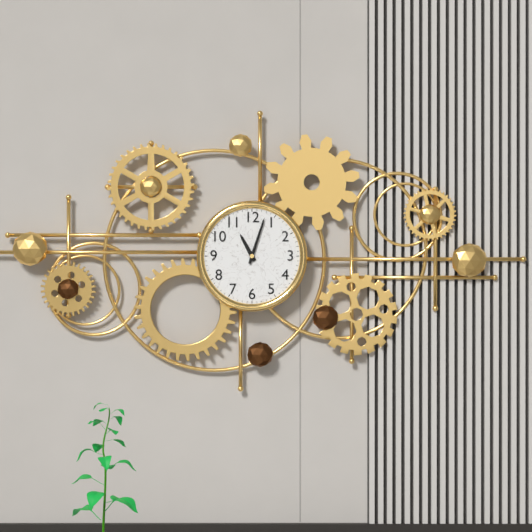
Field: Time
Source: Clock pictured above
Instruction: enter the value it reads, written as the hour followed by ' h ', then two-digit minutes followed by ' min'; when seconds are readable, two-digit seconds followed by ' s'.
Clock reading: 11 h 03 min
